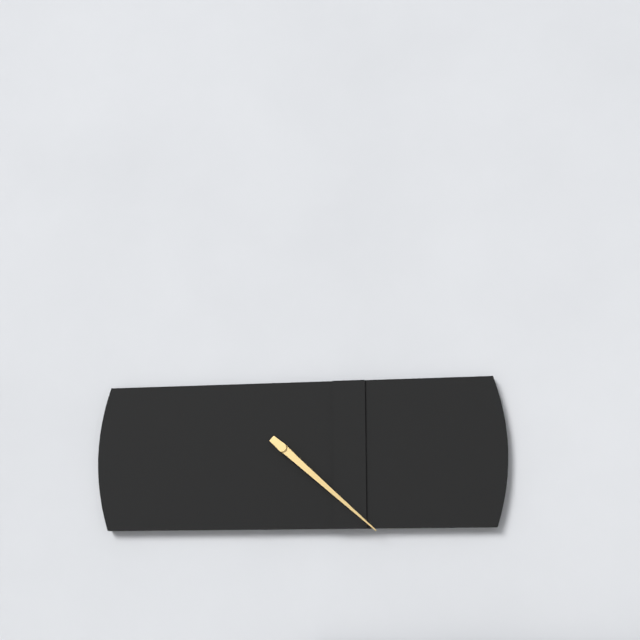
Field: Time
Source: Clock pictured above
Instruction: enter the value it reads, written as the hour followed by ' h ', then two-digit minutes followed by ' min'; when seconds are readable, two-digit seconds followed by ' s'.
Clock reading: 4 h 22 min
